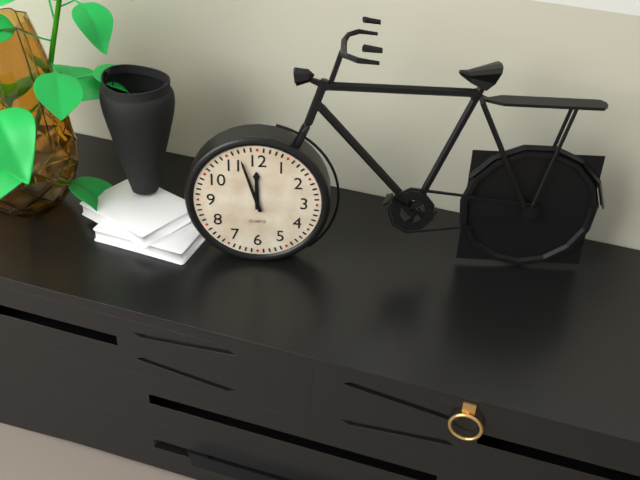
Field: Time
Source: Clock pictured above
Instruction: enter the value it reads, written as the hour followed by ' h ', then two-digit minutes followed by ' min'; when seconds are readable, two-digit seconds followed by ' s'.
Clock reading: 11 h 57 min
